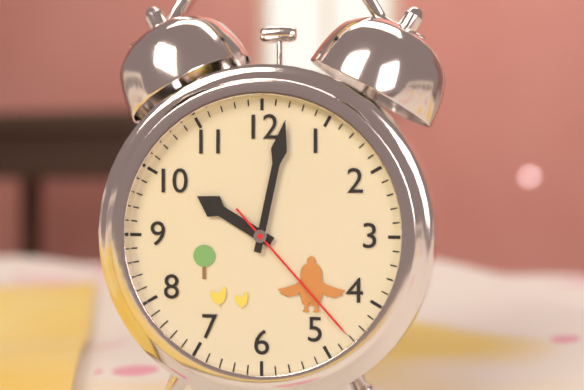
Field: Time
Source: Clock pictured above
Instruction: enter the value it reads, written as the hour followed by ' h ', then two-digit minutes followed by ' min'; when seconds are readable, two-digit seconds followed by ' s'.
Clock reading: 10 h 02 min 23 s
